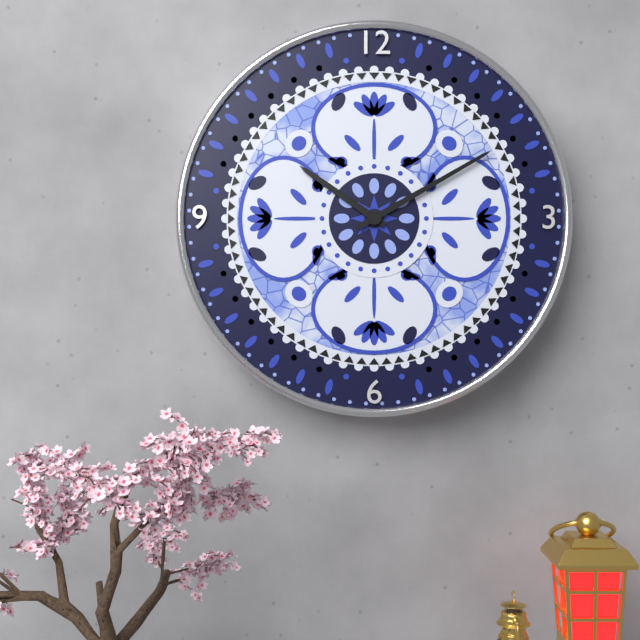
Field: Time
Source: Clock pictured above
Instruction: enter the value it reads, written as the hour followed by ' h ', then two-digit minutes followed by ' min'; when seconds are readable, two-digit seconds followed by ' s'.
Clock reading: 10 h 10 min
